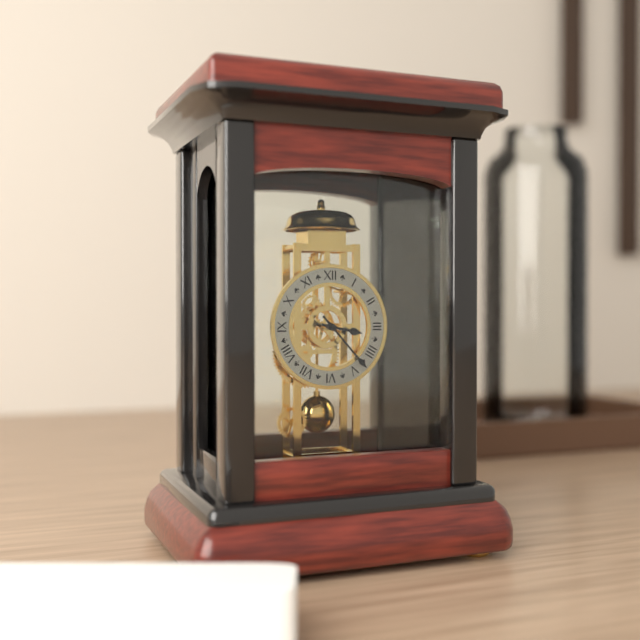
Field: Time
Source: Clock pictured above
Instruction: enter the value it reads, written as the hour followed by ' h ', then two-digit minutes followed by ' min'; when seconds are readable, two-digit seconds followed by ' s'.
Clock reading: 3 h 23 min
